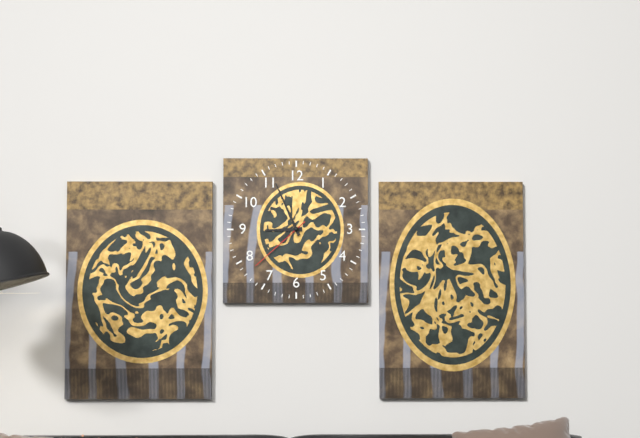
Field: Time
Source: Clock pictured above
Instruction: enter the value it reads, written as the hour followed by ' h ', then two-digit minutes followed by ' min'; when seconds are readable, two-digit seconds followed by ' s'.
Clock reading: 8 h 56 min 38 s
